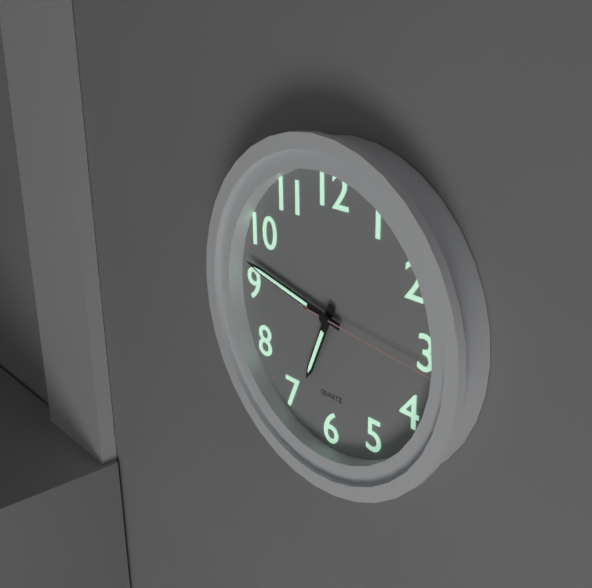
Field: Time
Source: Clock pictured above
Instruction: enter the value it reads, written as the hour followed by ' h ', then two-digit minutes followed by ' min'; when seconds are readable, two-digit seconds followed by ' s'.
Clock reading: 6 h 47 min 16 s
